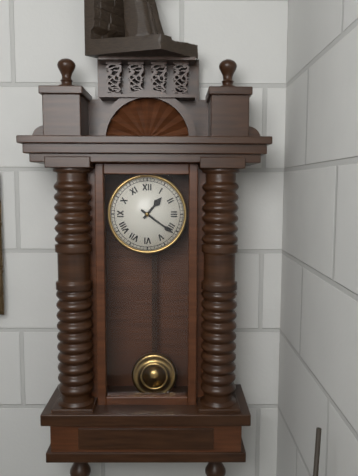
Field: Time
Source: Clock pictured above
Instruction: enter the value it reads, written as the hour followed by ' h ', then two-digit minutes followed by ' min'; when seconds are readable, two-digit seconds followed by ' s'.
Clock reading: 1 h 21 min
